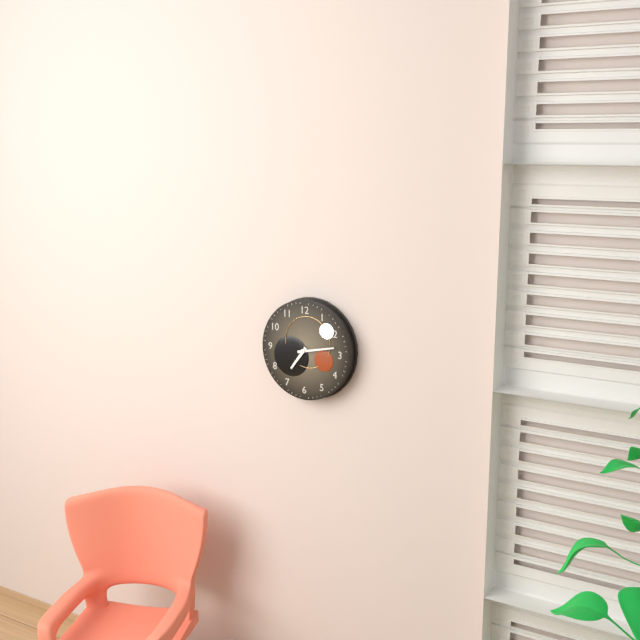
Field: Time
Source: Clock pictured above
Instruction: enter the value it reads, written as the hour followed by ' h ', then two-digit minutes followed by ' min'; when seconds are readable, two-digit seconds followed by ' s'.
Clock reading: 7 h 13 min
